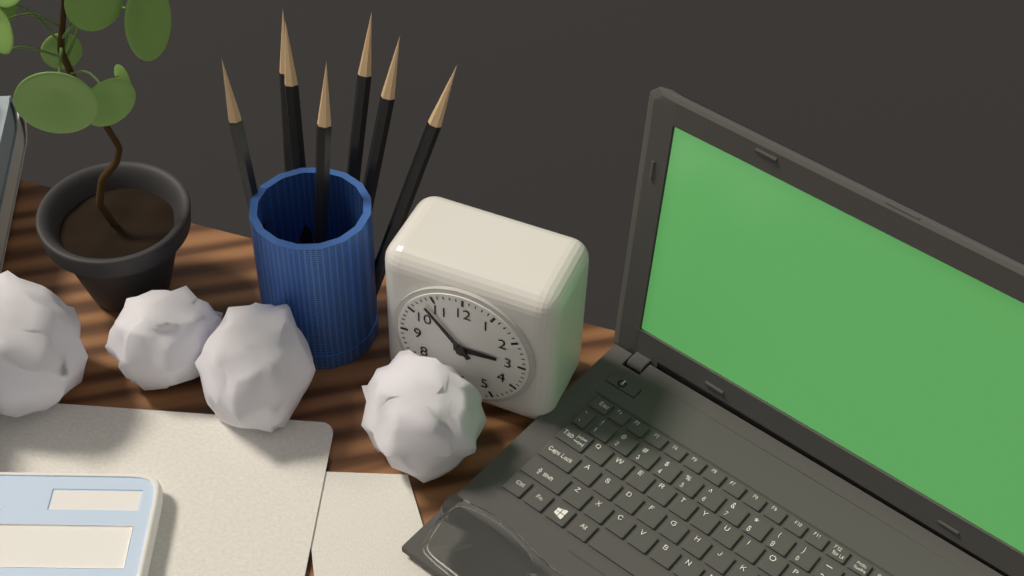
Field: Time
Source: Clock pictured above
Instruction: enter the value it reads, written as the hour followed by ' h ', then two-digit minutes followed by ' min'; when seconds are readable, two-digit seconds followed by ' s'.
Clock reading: 2 h 53 min
